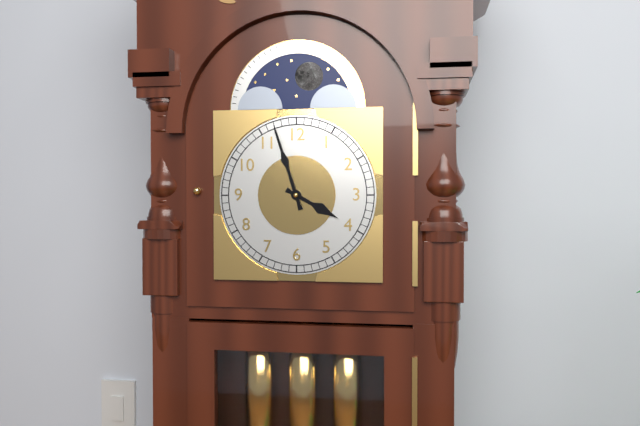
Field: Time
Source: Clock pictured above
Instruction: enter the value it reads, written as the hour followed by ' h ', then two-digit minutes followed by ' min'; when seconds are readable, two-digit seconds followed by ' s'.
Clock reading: 3 h 57 min
